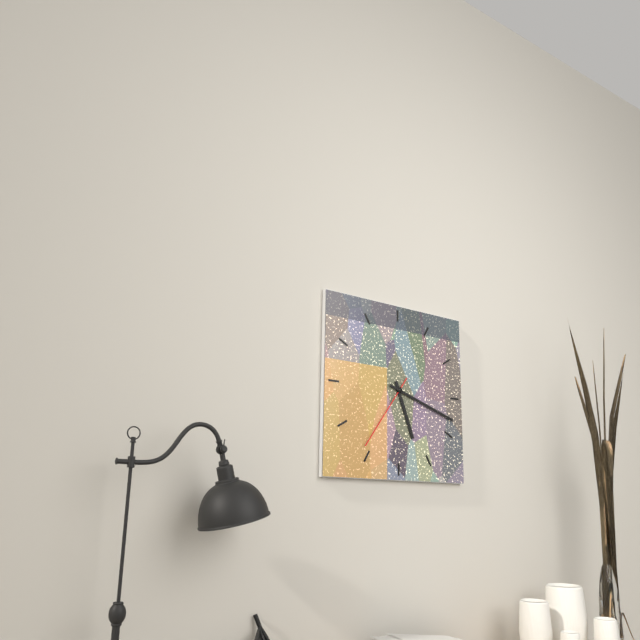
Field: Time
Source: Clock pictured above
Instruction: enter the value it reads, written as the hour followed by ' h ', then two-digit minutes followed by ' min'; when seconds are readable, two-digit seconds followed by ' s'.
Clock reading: 5 h 18 min 36 s
